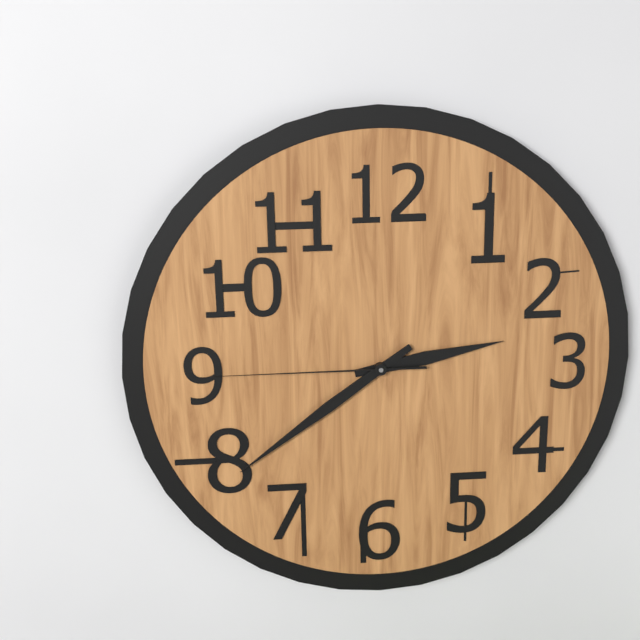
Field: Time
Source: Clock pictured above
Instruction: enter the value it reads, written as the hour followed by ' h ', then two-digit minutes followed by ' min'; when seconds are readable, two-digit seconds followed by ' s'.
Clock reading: 2 h 39 min 45 s
